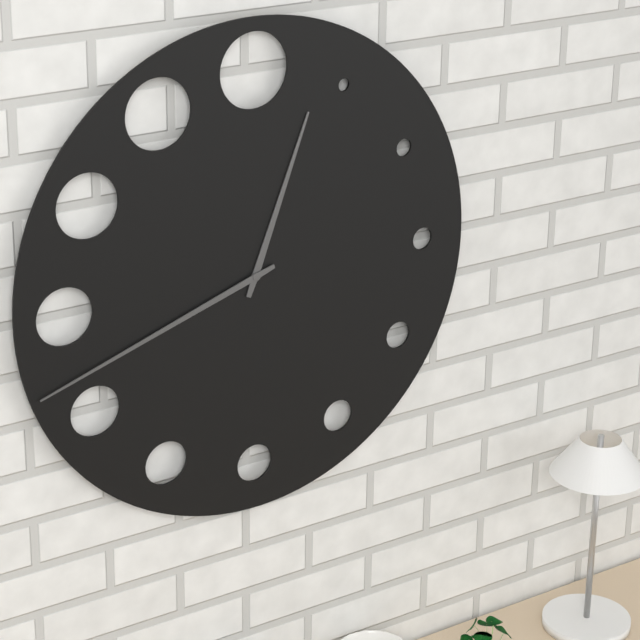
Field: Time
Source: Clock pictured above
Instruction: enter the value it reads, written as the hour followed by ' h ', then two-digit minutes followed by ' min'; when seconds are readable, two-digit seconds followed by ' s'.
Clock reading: 12 h 42 min
